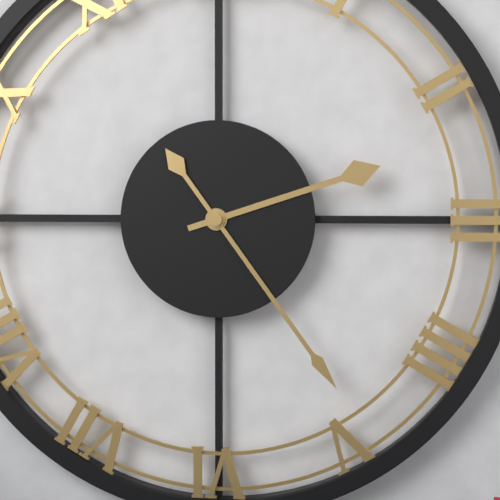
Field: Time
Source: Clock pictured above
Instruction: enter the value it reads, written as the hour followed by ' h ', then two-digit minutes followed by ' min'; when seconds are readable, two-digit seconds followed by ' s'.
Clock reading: 2 h 24 min
